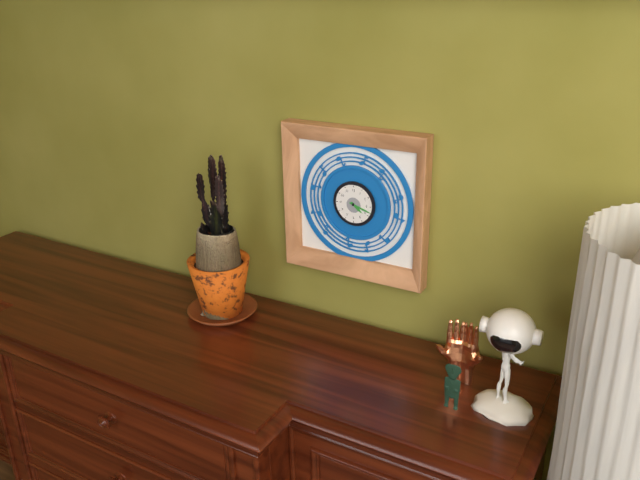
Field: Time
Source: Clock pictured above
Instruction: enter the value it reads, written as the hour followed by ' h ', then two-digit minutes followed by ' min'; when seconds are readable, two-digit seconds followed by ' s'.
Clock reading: 4 h 18 min
